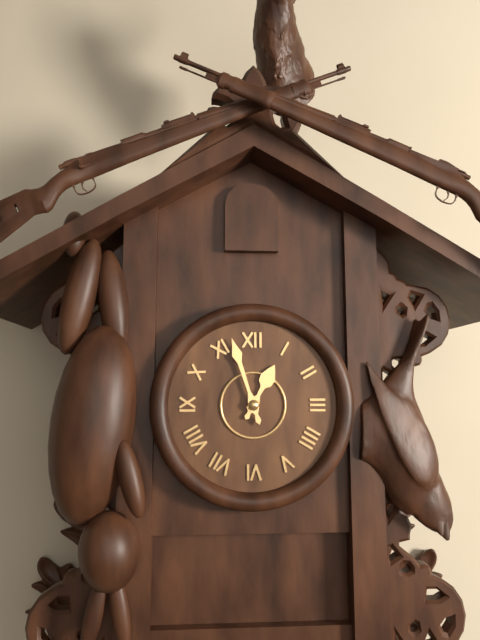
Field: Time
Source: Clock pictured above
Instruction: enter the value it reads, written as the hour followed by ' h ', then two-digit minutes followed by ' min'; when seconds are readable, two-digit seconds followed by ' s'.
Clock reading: 12 h 57 min
